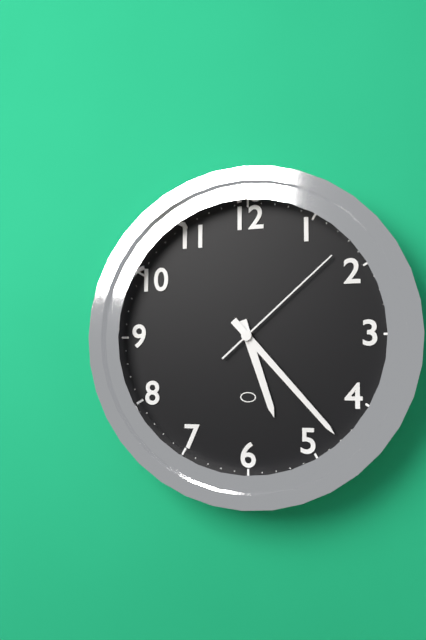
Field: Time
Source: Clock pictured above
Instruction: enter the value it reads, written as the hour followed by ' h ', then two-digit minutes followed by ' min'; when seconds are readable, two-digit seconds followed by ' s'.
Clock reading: 5 h 23 min 08 s
